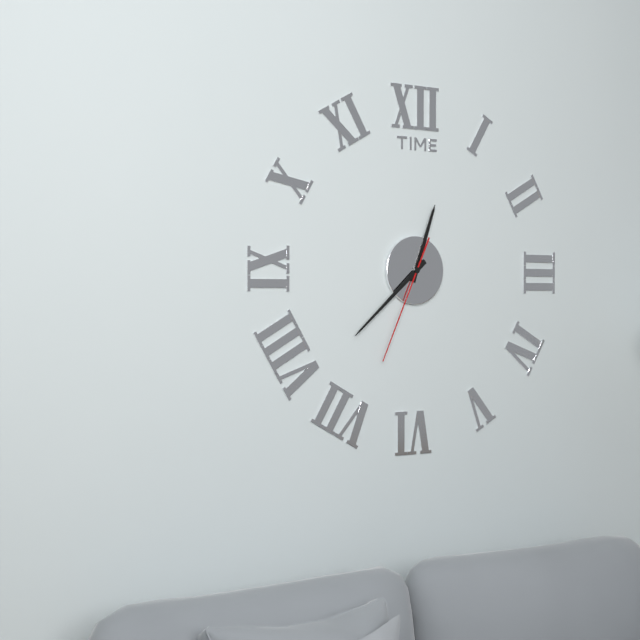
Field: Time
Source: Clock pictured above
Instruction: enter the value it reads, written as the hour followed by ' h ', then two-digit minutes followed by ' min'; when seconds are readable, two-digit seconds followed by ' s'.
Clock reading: 12 h 38 min 34 s
